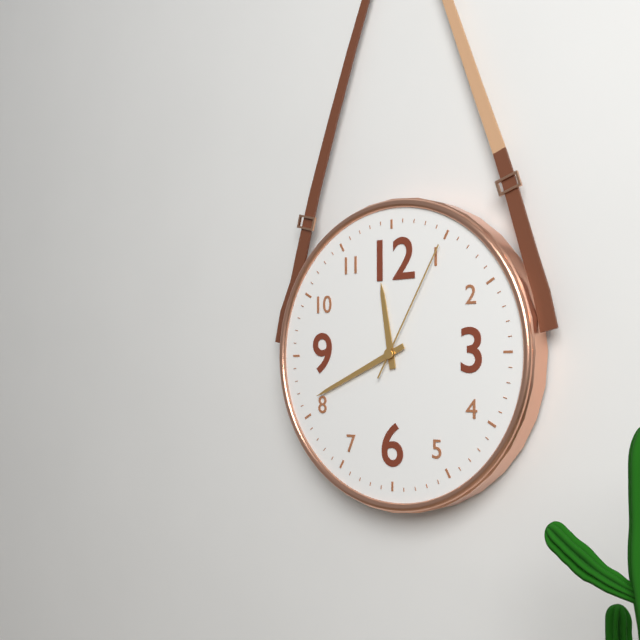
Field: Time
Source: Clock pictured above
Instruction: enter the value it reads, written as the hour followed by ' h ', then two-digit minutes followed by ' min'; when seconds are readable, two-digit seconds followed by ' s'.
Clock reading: 11 h 41 min 05 s
